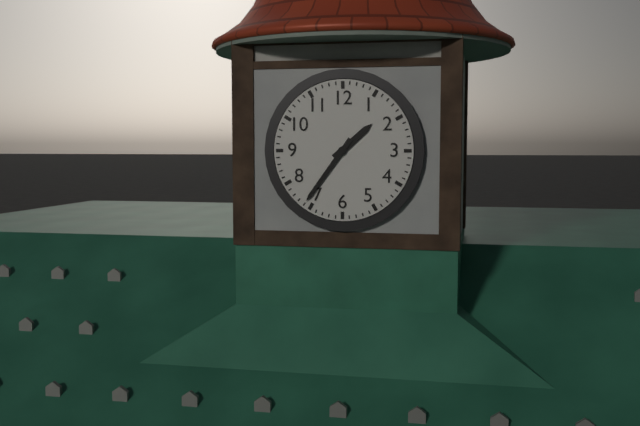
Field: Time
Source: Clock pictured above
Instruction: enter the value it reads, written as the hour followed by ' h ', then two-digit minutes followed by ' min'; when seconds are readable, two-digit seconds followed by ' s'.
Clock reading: 1 h 36 min
